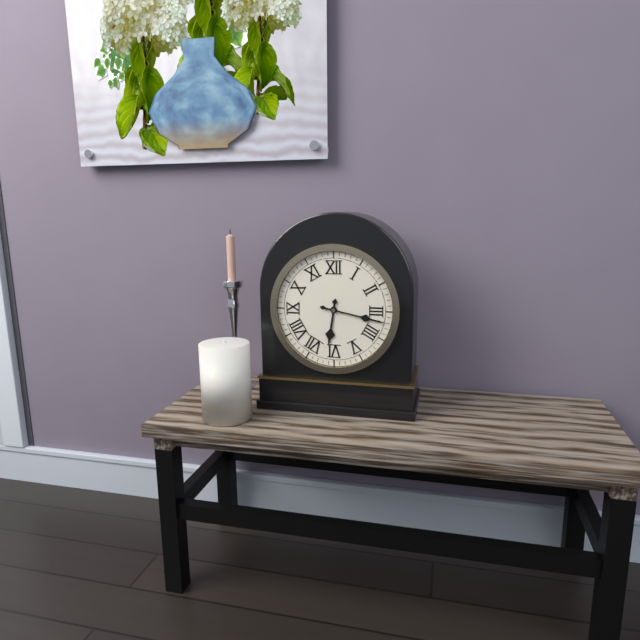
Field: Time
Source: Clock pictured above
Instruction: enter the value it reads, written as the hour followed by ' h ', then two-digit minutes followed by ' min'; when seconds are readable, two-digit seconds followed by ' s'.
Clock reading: 6 h 17 min
